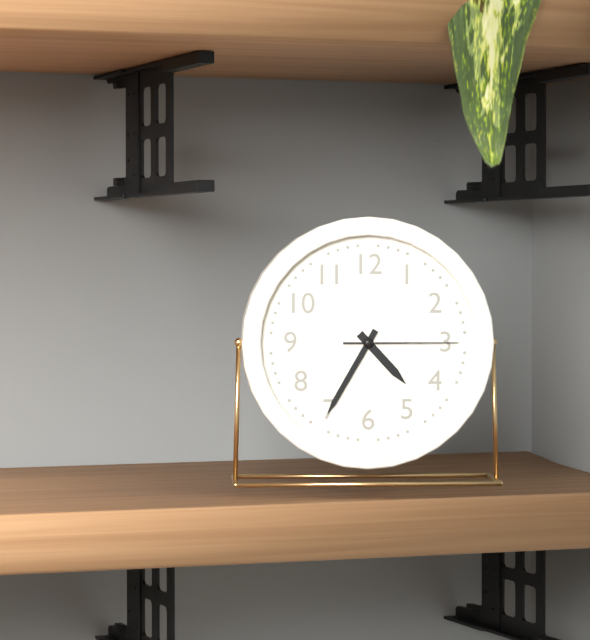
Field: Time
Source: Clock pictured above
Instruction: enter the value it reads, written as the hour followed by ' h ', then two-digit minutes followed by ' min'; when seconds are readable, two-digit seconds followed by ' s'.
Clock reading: 4 h 35 min 15 s
